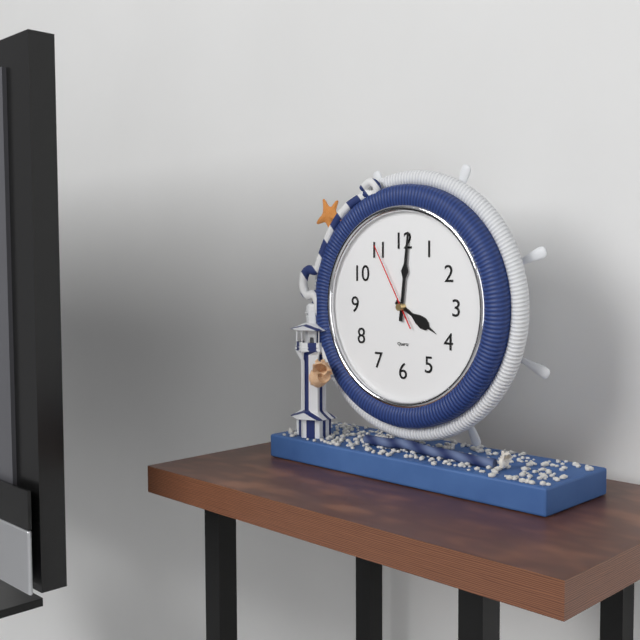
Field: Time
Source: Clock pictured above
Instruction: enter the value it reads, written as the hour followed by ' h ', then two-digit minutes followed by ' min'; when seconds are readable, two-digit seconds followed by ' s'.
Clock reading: 4 h 01 min 55 s
